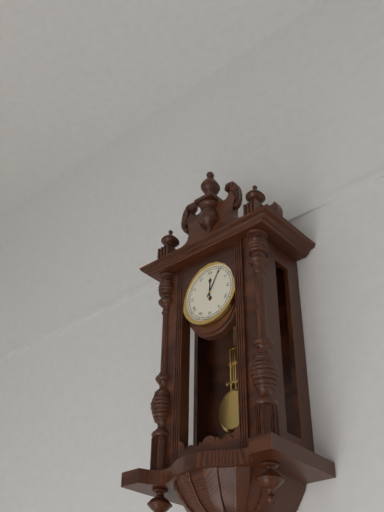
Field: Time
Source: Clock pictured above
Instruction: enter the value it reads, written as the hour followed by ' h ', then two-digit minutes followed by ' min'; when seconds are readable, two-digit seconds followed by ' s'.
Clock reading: 12 h 05 min
